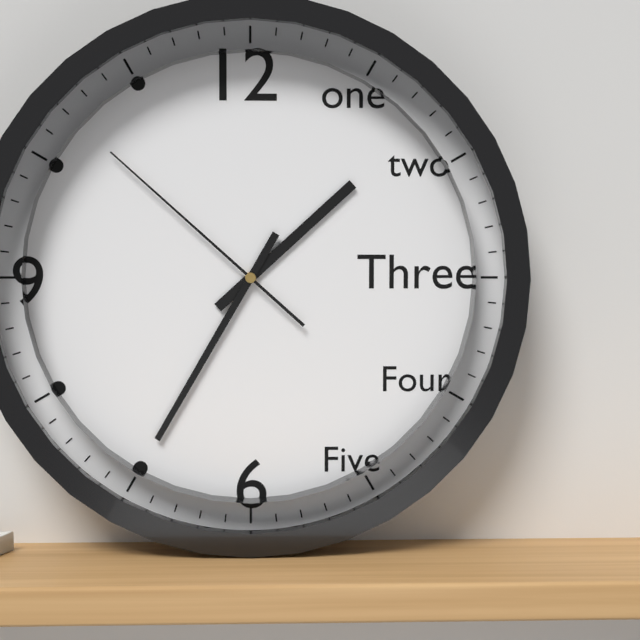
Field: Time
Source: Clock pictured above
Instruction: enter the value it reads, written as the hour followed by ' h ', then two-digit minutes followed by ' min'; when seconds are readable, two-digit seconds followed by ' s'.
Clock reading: 1 h 35 min 52 s
